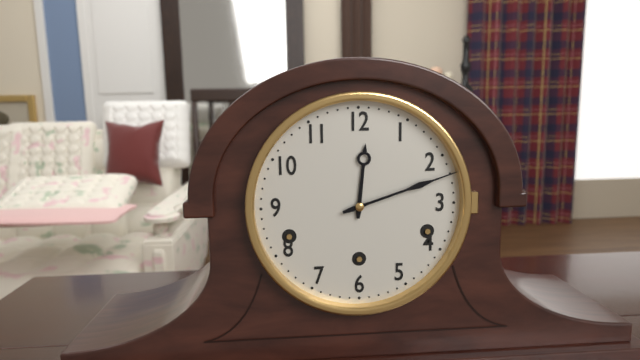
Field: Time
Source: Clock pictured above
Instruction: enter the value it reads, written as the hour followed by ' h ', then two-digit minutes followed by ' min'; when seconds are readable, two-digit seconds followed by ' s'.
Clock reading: 12 h 12 min
